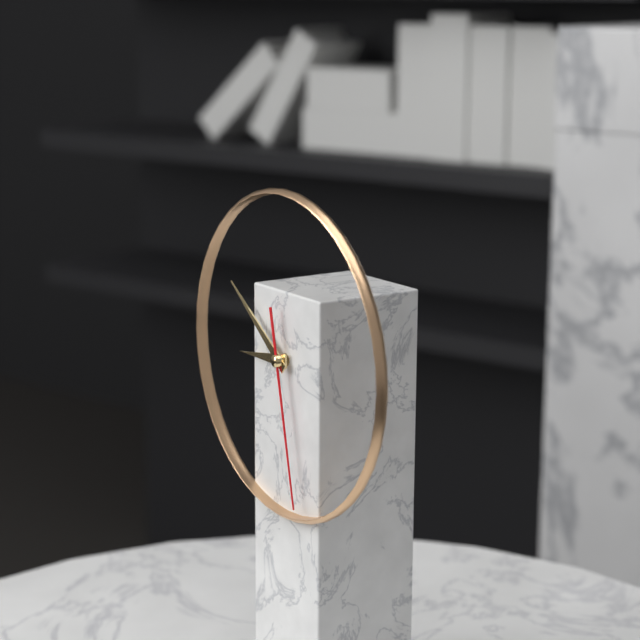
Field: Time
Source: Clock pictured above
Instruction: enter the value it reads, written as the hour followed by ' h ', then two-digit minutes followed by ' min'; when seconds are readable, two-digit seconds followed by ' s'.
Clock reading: 8 h 51 min 28 s
